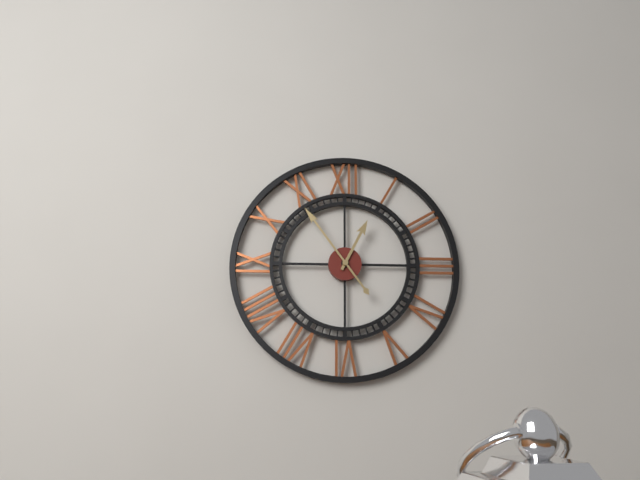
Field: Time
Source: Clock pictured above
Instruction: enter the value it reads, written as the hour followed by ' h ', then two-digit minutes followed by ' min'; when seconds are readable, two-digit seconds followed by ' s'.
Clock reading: 12 h 54 min
